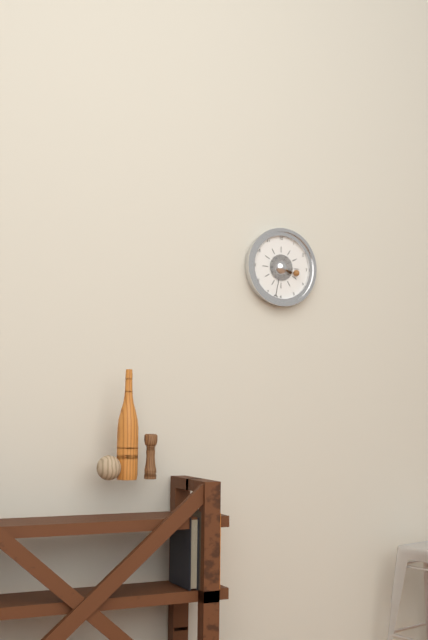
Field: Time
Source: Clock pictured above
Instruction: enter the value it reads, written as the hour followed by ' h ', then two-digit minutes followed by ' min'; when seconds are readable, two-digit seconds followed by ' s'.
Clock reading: 3 h 32 min
